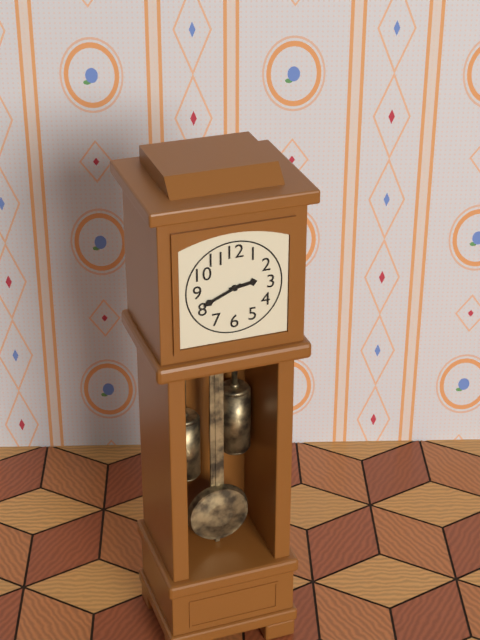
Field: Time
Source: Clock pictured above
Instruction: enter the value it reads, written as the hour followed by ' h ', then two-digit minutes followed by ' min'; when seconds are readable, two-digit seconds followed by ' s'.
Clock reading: 2 h 41 min
